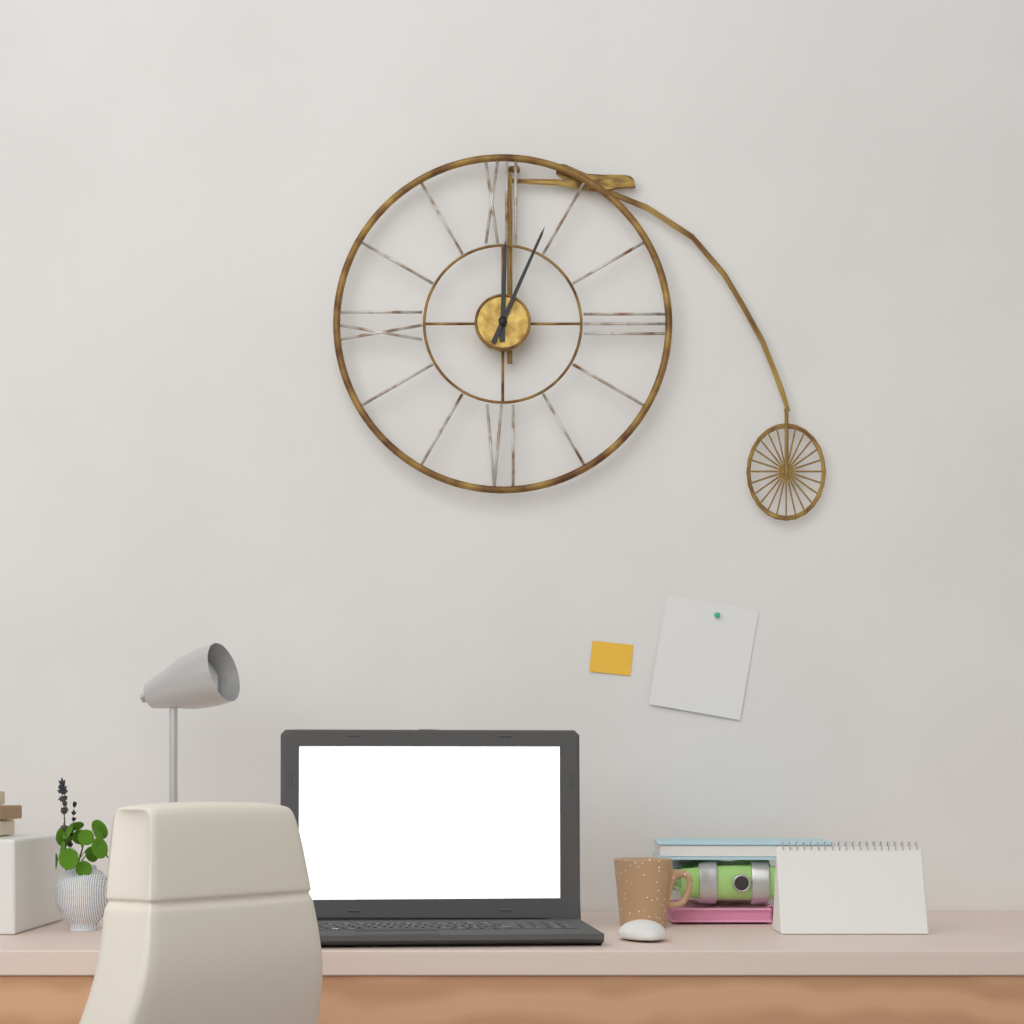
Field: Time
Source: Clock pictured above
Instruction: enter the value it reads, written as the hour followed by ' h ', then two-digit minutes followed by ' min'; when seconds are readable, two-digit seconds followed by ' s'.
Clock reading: 12 h 04 min
